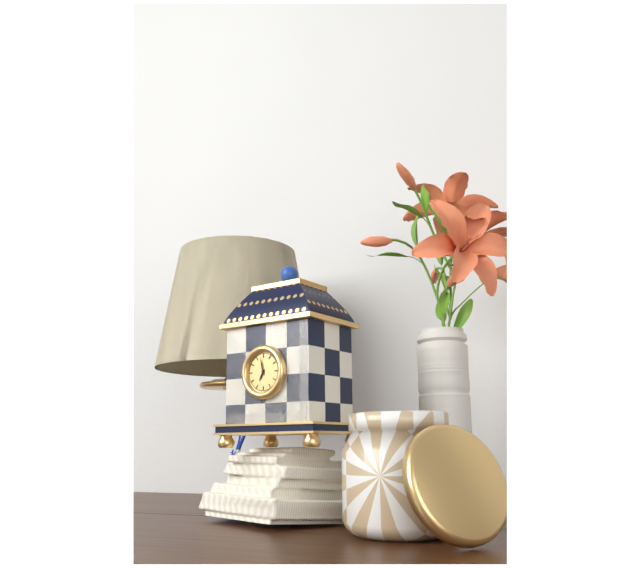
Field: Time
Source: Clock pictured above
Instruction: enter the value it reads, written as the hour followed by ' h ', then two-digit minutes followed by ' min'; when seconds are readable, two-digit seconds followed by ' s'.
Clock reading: 6 h 58 min
